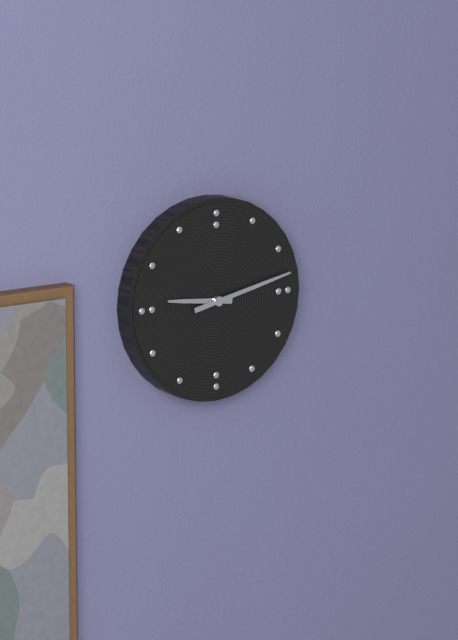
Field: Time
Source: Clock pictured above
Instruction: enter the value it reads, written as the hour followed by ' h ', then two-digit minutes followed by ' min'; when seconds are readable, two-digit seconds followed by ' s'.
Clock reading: 9 h 13 min
